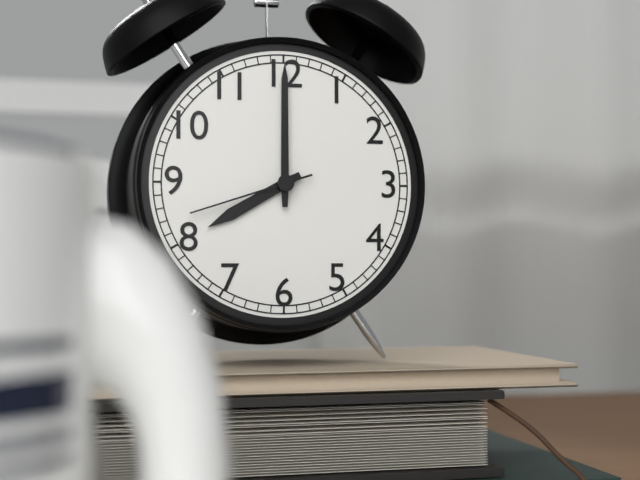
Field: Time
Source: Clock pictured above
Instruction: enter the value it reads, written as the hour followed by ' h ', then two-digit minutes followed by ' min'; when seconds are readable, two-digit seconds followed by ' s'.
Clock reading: 8 h 00 min 42 s
